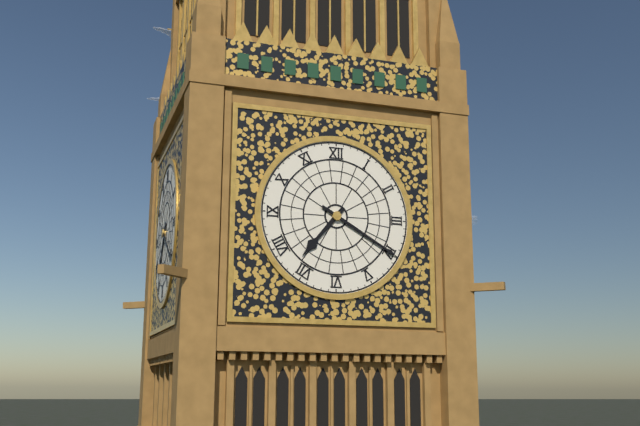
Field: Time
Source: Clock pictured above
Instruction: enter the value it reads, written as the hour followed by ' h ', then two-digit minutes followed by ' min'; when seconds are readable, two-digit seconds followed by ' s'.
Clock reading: 7 h 20 min
